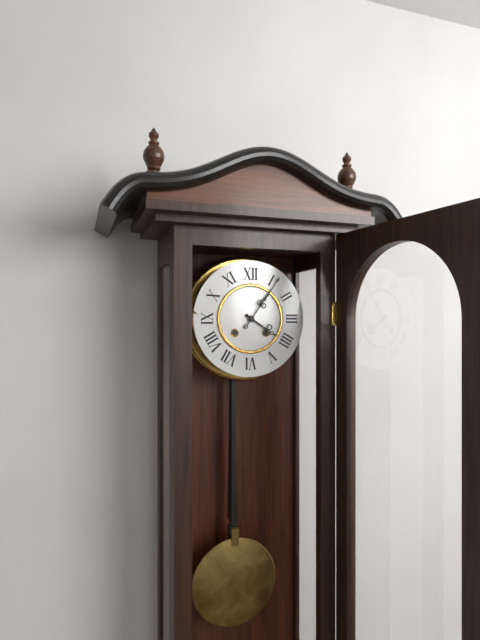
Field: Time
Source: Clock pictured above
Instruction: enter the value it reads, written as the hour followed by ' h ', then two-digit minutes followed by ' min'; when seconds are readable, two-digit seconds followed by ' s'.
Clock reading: 4 h 06 min
